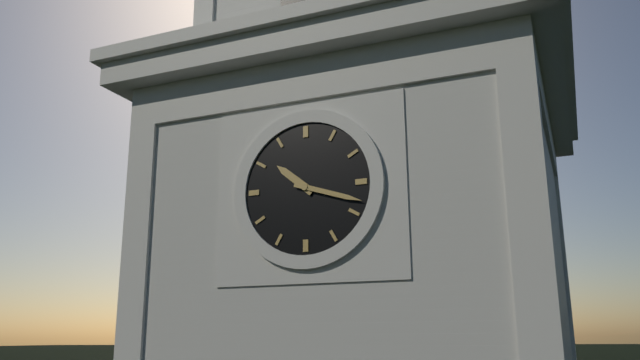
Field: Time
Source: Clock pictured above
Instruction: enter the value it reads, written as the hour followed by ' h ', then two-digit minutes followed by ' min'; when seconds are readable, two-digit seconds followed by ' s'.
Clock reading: 10 h 18 min
